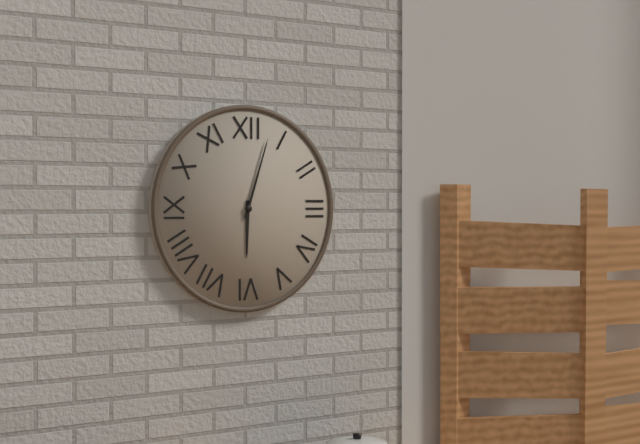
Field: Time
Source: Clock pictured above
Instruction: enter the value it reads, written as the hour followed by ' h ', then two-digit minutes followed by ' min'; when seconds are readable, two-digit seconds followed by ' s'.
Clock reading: 6 h 03 min
